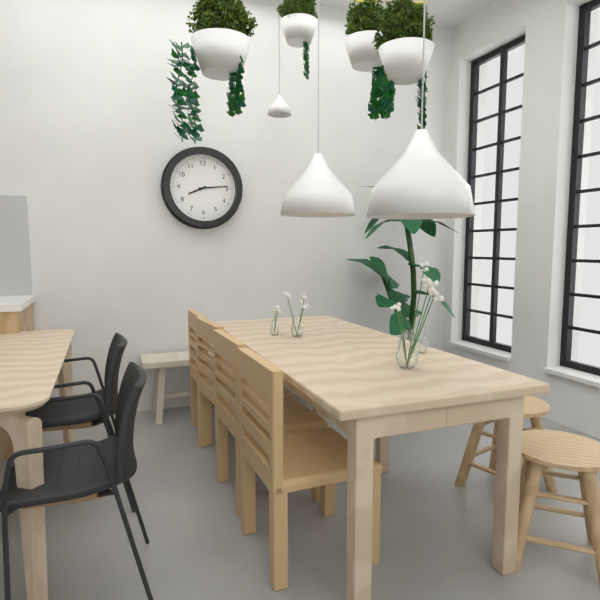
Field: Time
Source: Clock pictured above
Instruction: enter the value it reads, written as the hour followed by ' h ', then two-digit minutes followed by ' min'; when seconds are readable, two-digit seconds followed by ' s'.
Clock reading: 8 h 14 min
